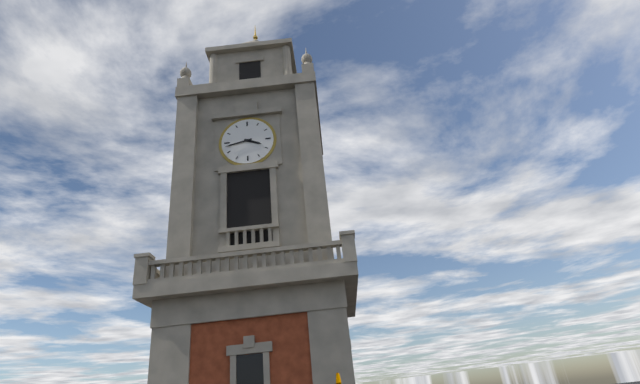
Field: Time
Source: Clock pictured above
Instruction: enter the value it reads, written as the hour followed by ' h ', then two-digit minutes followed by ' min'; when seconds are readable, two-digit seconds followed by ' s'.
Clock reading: 3 h 43 min
